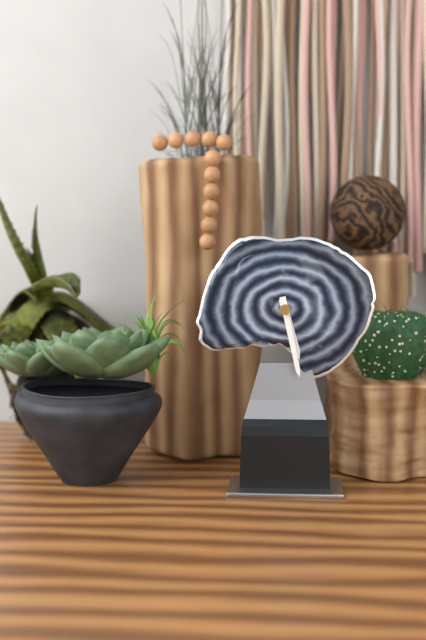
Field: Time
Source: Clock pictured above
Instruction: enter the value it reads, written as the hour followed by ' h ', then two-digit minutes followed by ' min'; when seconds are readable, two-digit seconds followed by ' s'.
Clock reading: 5 h 28 min
